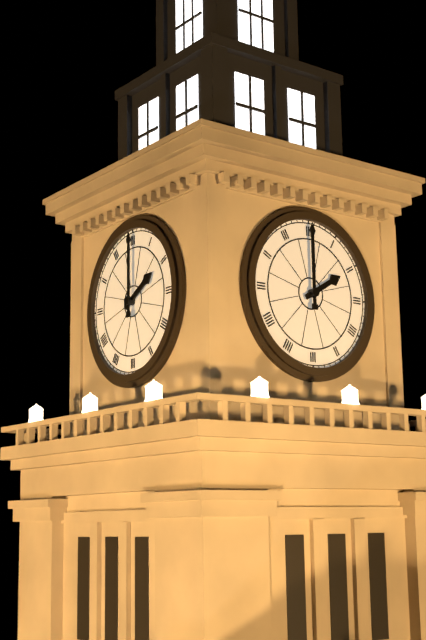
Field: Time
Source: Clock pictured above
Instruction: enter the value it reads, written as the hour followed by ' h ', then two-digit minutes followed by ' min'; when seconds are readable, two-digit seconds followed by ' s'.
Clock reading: 2 h 00 min
